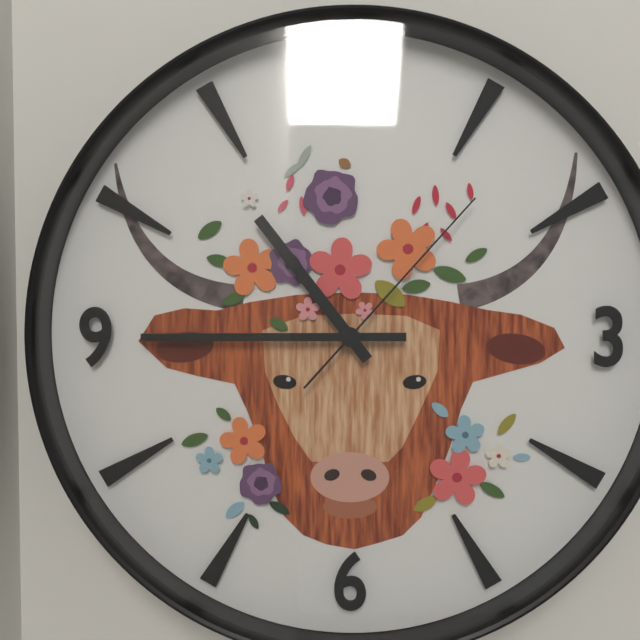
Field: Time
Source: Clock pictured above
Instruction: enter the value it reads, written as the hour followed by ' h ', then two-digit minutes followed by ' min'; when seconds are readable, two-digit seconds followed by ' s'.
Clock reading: 10 h 45 min 07 s
